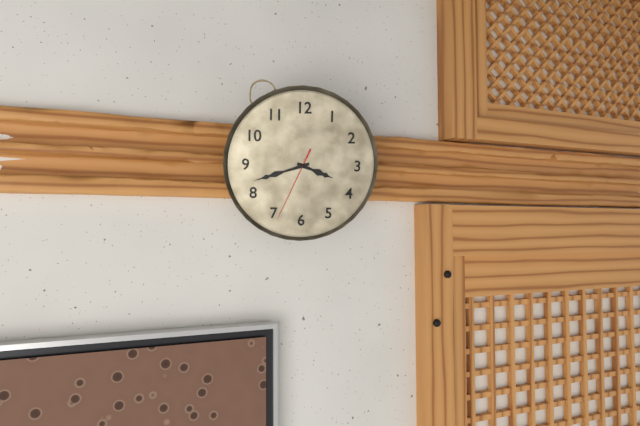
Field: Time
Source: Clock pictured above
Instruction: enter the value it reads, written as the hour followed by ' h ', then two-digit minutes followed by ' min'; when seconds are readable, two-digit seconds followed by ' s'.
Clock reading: 3 h 42 min 34 s
